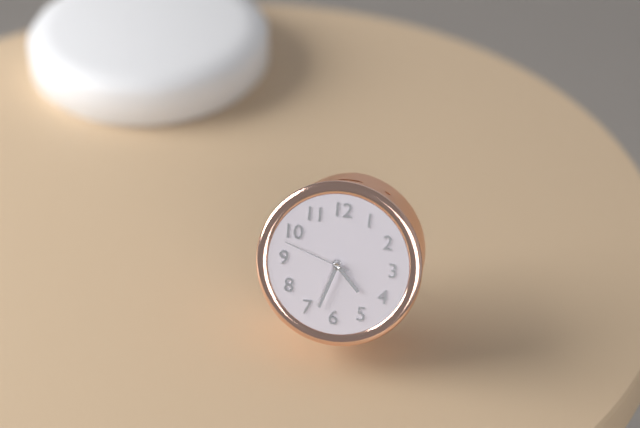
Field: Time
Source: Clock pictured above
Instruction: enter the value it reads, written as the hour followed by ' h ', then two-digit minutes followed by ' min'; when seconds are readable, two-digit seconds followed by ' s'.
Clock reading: 4 h 33 min 48 s
